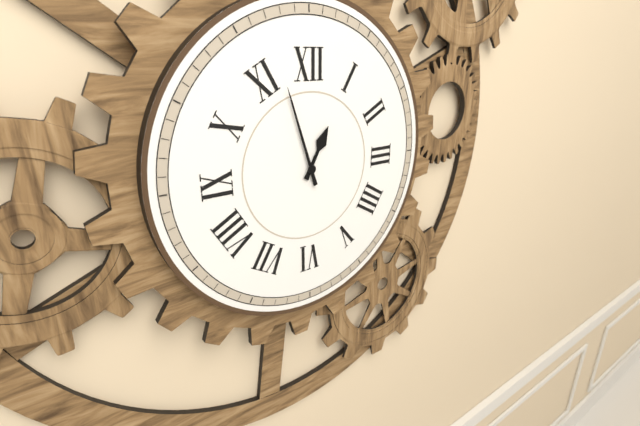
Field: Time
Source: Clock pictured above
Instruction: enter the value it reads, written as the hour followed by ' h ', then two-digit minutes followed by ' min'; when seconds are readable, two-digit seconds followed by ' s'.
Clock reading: 12 h 57 min
